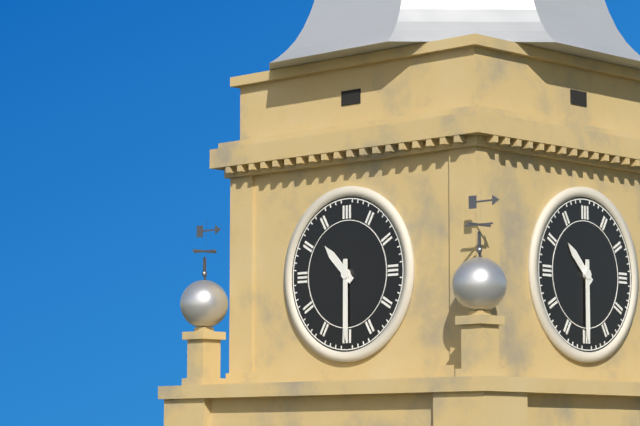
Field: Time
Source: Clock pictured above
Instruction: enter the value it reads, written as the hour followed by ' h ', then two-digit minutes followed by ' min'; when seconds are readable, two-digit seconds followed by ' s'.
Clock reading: 10 h 30 min
